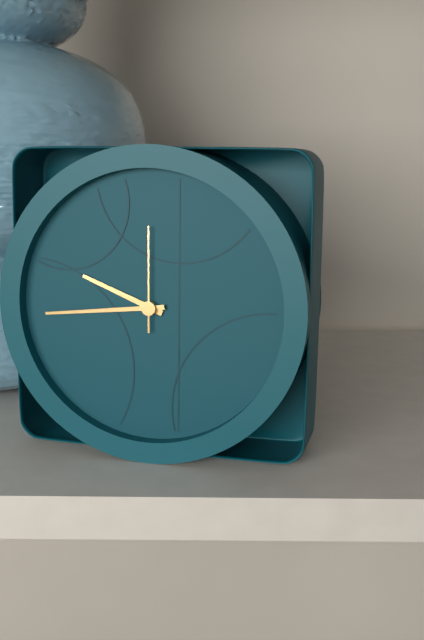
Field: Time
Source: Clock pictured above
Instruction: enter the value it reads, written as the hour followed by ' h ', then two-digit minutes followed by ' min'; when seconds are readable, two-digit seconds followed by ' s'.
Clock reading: 9 h 44 min 00 s
